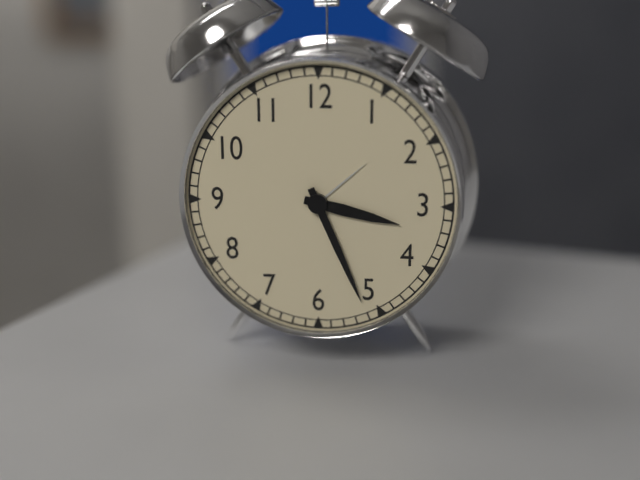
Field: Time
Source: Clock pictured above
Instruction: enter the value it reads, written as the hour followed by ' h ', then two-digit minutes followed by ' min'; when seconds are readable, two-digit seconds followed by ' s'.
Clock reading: 3 h 26 min
